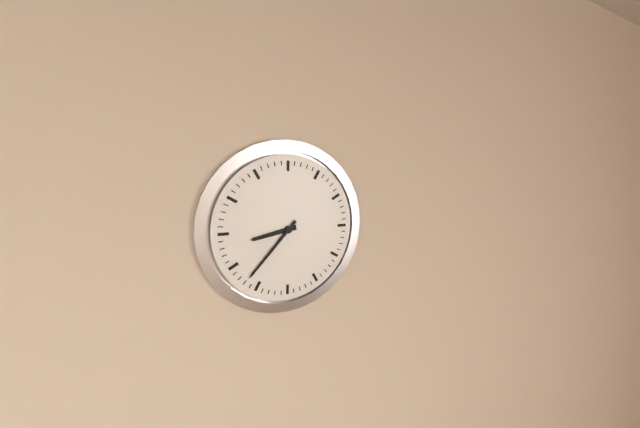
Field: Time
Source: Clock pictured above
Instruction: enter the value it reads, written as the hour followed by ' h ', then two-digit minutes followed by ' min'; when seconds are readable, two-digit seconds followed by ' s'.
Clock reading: 8 h 37 min
